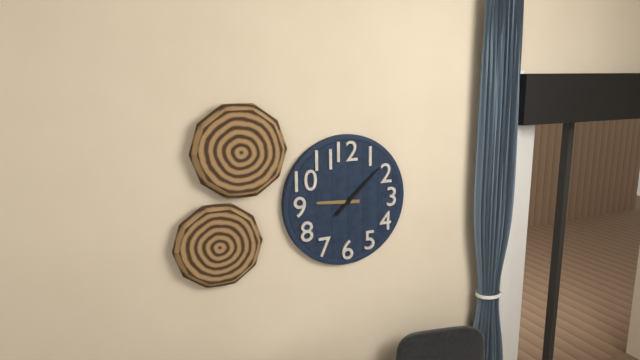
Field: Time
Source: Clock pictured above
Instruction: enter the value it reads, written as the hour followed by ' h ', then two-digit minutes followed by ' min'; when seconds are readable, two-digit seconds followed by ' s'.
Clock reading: 9 h 08 min
